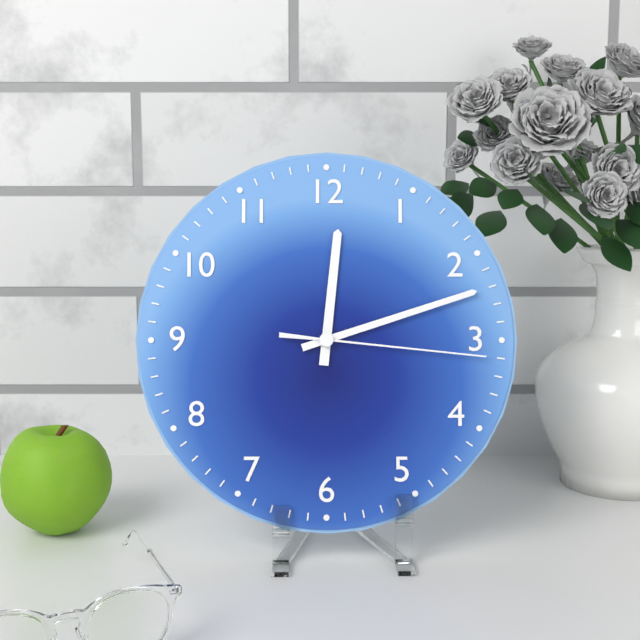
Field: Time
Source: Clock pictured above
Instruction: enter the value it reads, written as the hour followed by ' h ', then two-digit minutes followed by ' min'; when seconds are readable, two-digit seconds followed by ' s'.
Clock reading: 12 h 12 min 16 s
